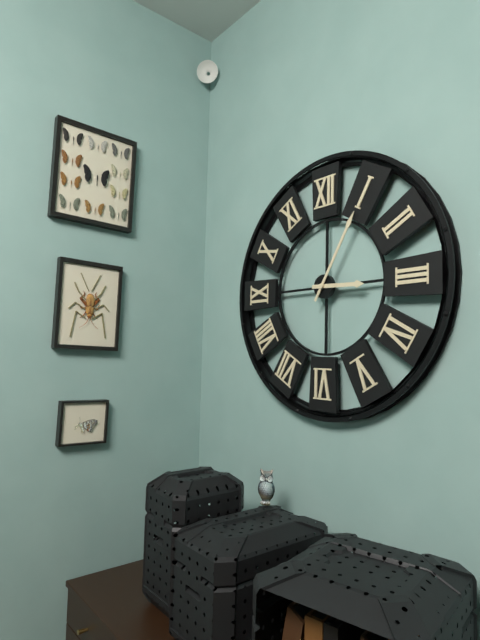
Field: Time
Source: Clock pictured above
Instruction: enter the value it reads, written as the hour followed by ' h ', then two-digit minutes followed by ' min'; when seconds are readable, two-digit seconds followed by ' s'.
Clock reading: 3 h 05 min
